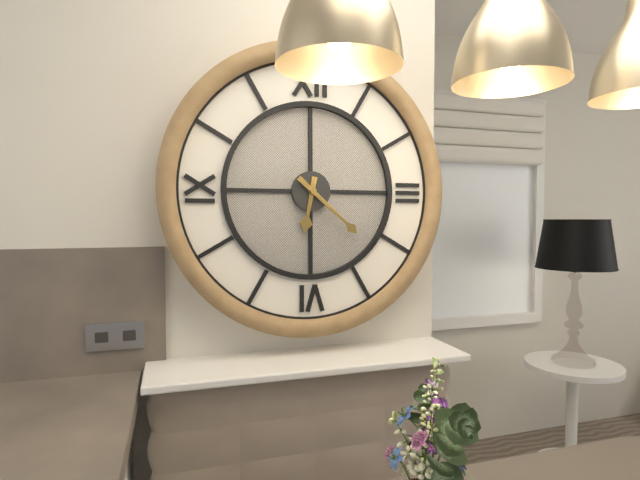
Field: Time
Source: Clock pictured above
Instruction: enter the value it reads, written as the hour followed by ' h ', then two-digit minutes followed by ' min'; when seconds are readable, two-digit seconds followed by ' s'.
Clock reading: 6 h 22 min
